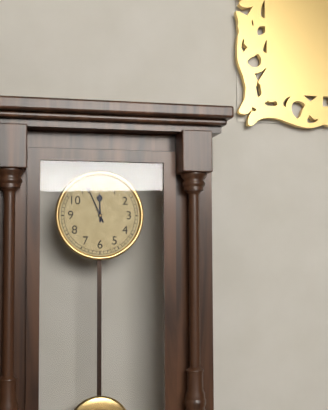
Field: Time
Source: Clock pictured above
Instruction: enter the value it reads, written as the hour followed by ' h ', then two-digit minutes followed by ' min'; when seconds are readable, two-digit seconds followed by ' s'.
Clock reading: 11 h 56 min
